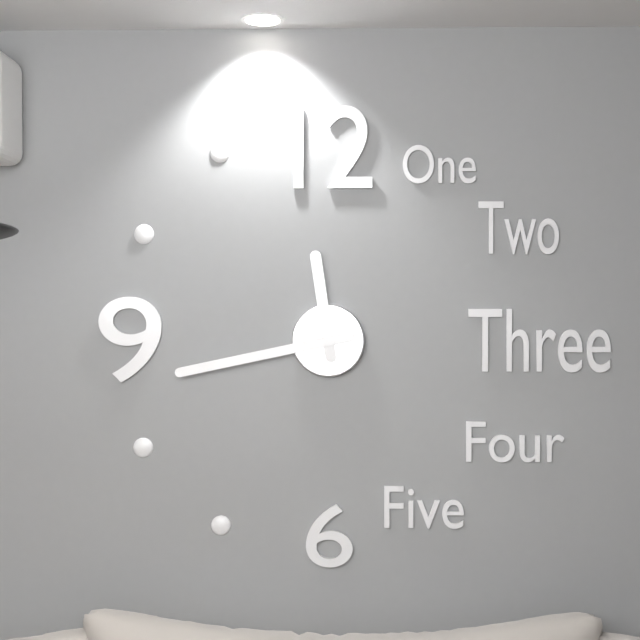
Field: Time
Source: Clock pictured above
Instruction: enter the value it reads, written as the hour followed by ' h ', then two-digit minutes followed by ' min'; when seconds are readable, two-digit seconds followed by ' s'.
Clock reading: 11 h 43 min
